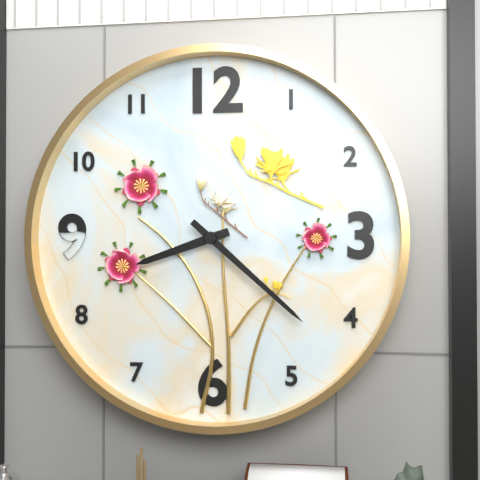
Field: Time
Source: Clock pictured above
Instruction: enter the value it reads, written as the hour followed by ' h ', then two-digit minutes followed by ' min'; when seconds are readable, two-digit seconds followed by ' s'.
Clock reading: 8 h 22 min
